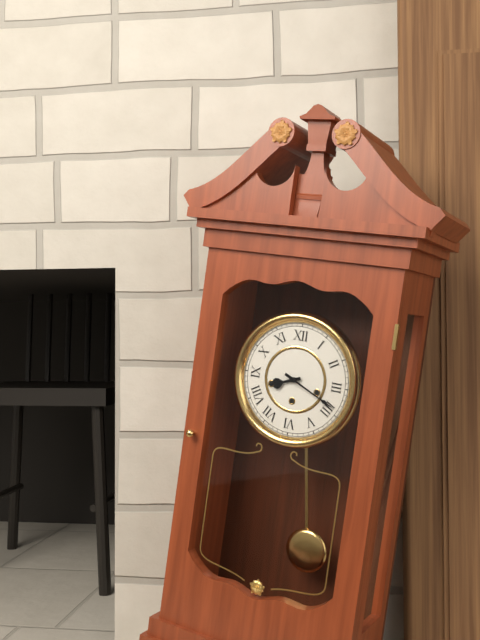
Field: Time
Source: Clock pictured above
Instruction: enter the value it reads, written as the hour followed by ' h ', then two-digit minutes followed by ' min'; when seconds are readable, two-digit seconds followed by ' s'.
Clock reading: 8 h 19 min
